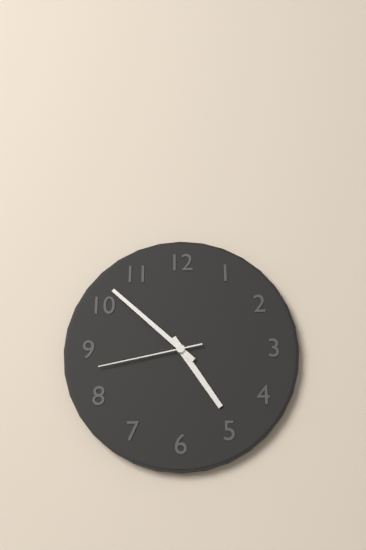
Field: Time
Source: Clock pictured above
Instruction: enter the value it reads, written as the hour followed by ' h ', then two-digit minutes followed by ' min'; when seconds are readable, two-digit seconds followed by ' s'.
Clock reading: 4 h 52 min 43 s
